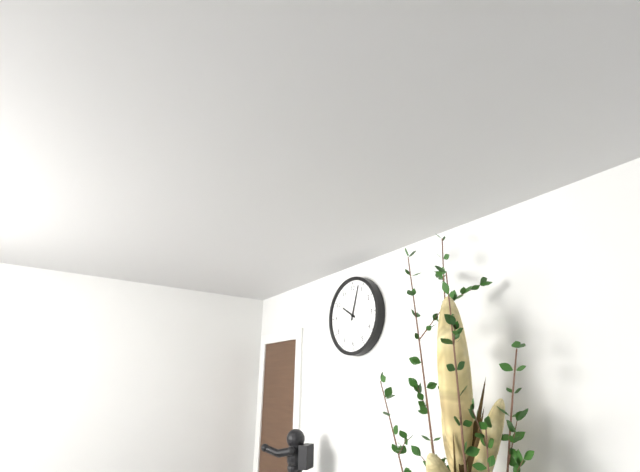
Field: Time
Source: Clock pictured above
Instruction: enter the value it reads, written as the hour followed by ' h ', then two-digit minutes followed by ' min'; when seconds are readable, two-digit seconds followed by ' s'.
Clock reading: 10 h 03 min
